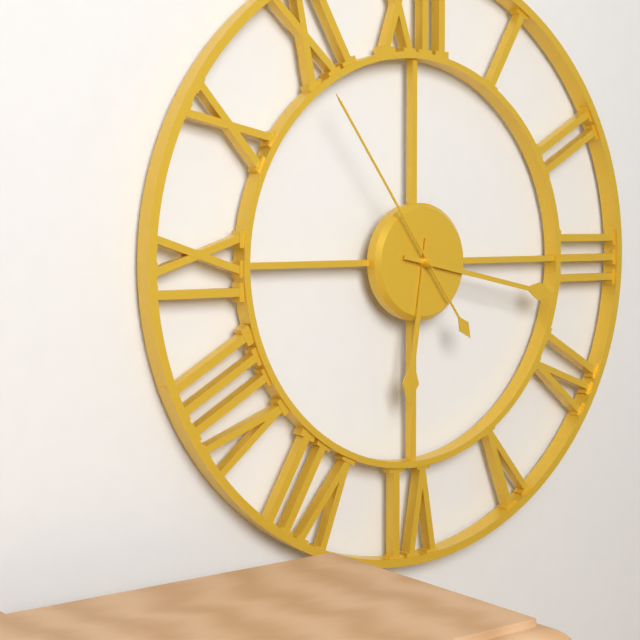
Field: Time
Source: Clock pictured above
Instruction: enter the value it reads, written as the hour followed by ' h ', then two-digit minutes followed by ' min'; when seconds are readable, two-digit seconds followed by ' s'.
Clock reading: 6 h 17 min 54 s
